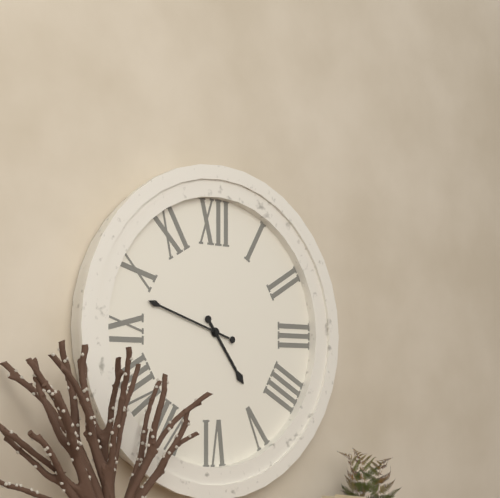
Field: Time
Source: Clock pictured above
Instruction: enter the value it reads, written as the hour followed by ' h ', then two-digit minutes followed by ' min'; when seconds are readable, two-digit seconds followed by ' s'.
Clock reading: 4 h 48 min
